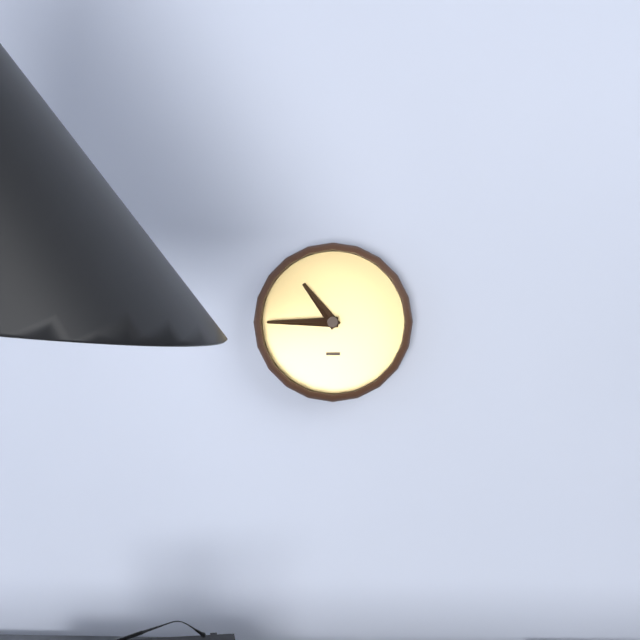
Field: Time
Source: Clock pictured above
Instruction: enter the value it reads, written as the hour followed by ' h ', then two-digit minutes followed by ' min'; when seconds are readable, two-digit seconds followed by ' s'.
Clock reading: 10 h 45 min
